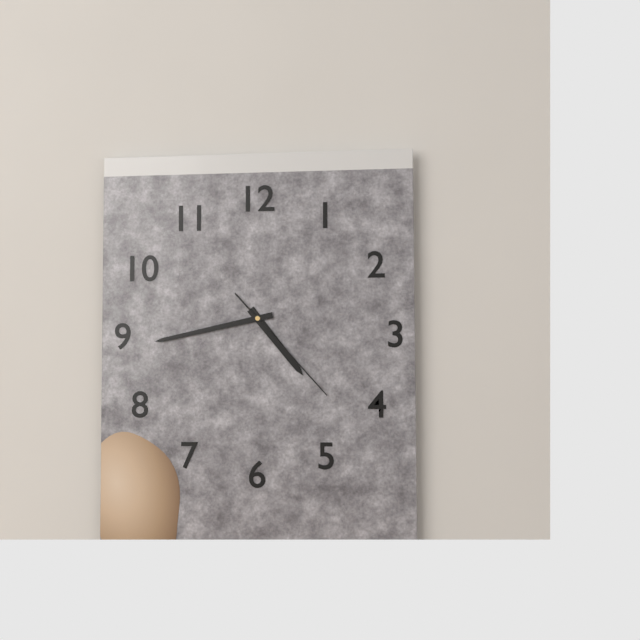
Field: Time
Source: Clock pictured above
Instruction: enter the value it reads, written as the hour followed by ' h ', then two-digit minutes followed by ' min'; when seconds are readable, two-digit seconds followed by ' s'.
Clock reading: 4 h 43 min 23 s
